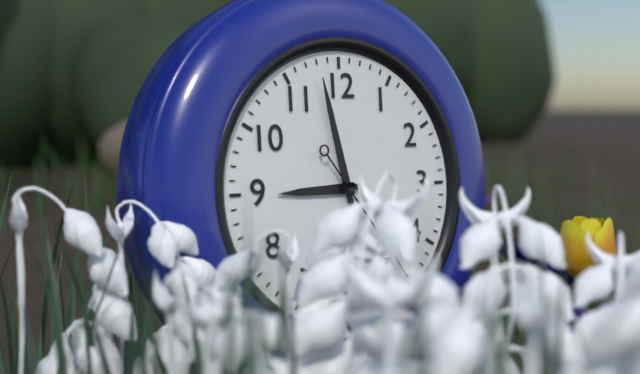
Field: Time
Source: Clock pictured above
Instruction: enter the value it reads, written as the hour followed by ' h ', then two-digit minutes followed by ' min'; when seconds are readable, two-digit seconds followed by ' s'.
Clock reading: 8 h 58 min
